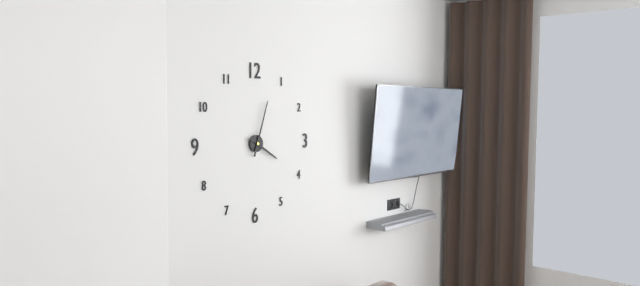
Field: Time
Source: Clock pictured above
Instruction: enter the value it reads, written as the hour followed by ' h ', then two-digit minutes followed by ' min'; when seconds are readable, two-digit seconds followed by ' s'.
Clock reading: 4 h 03 min
